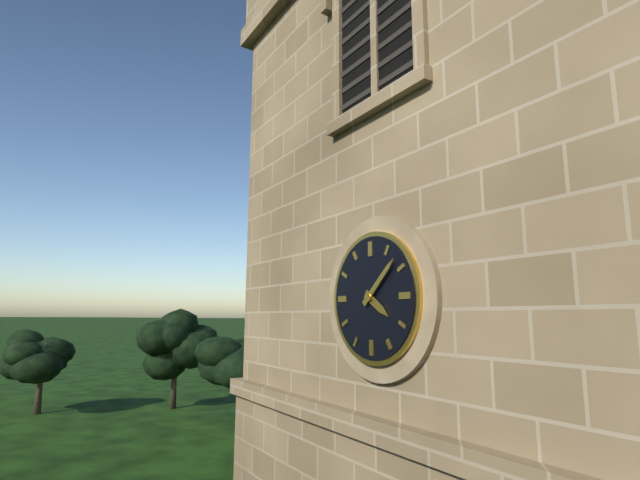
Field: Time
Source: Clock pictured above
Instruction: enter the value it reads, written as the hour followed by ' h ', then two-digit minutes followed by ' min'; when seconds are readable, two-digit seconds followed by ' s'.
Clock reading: 4 h 08 min
